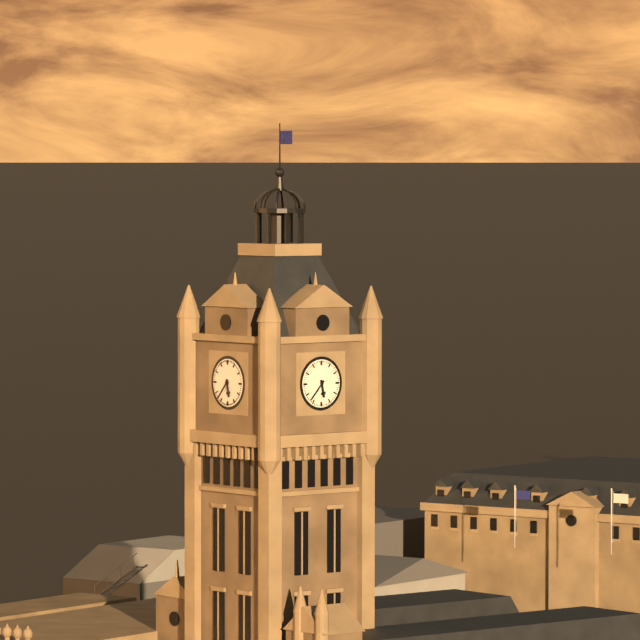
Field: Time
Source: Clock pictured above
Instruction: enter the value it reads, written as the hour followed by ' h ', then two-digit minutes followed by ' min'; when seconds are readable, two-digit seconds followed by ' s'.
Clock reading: 5 h 37 min
